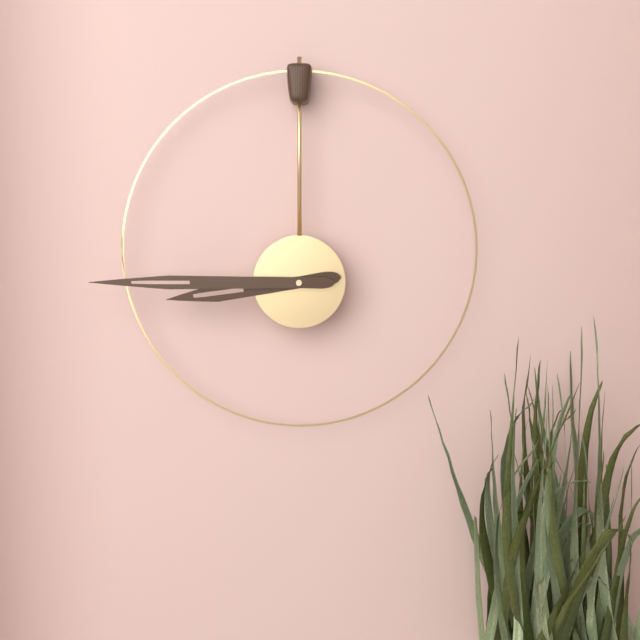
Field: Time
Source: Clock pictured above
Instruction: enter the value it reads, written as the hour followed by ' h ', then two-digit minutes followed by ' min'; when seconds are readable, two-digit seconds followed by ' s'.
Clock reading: 8 h 45 min
